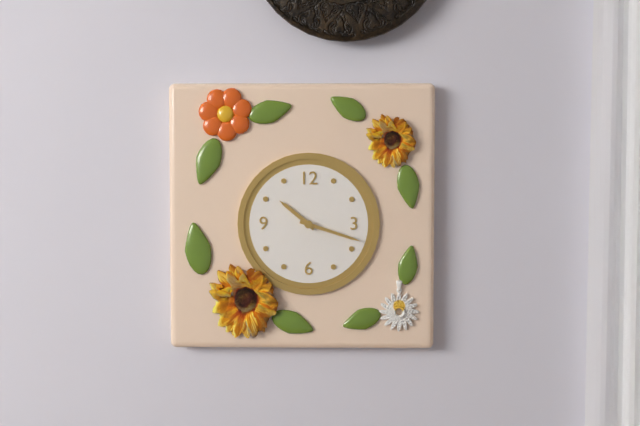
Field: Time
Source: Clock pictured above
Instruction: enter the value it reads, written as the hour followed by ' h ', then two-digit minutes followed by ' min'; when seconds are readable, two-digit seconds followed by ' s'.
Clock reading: 10 h 18 min
